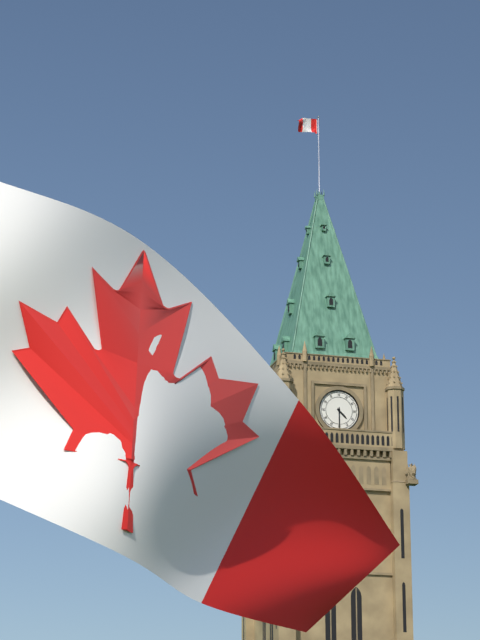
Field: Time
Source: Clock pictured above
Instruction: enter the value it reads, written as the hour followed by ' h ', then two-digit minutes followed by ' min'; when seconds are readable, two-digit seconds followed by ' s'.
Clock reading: 4 h 30 min
